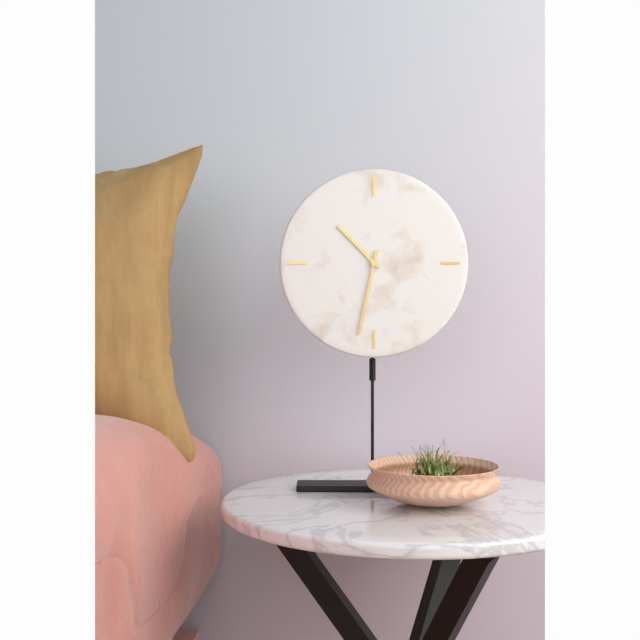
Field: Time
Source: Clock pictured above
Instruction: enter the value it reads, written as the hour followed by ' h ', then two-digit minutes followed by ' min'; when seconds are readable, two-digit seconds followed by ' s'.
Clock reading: 10 h 32 min
